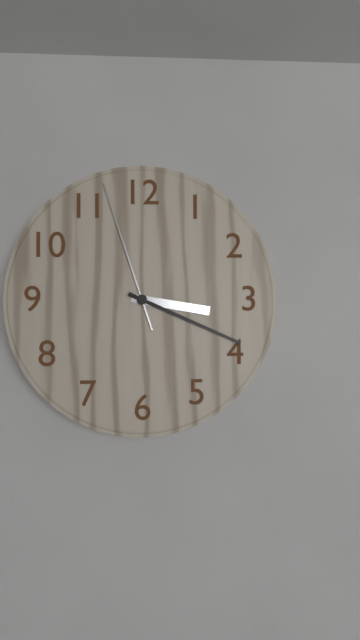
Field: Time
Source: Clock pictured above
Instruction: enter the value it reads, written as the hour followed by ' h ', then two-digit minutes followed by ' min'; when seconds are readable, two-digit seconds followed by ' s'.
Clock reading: 3 h 19 min 57 s
